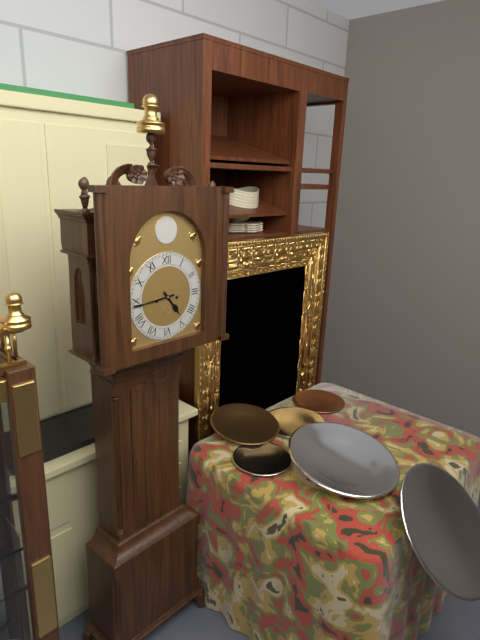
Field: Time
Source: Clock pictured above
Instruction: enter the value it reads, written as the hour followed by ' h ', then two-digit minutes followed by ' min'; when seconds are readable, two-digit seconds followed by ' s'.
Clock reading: 4 h 44 min
